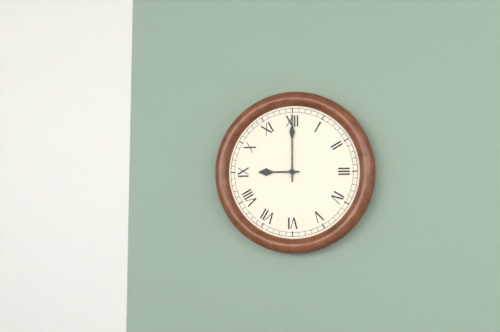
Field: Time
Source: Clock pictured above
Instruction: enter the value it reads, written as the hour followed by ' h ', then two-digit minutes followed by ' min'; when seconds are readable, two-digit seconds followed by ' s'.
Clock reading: 9 h 00 min
